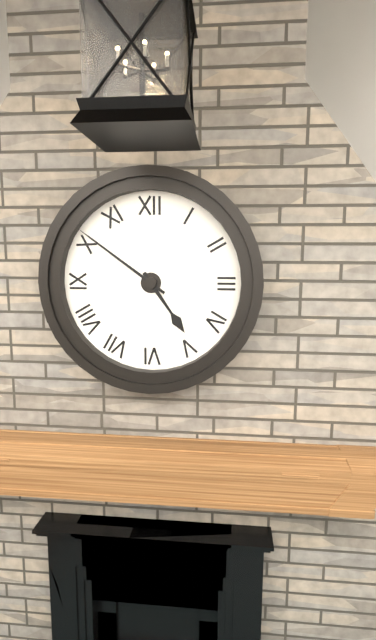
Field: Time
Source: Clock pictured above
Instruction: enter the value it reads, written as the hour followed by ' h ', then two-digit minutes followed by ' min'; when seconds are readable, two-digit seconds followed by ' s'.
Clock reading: 4 h 51 min
